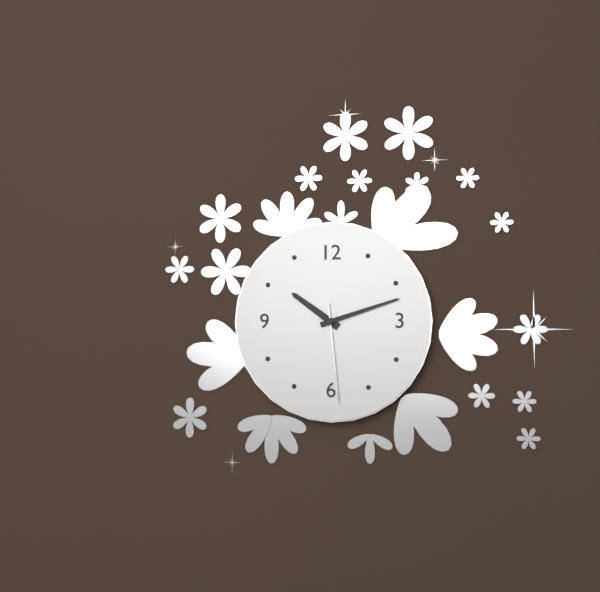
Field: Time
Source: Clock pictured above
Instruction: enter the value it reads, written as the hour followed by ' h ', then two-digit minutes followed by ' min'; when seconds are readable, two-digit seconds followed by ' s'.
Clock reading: 10 h 12 min 29 s
